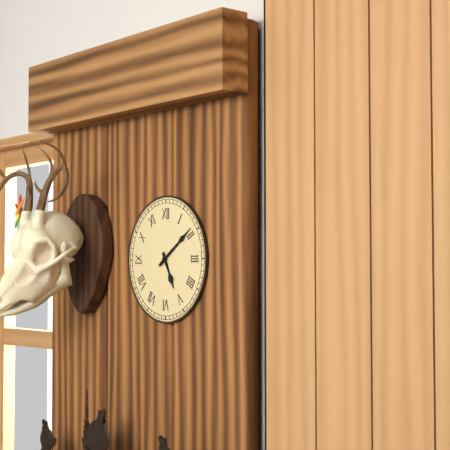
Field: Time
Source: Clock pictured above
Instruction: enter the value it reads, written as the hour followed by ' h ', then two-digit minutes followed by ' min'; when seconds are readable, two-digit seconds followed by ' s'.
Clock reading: 5 h 09 min
